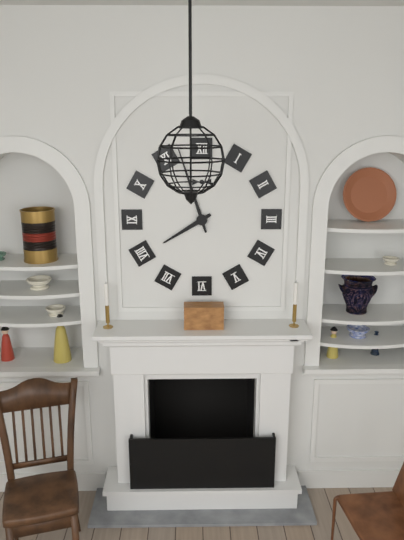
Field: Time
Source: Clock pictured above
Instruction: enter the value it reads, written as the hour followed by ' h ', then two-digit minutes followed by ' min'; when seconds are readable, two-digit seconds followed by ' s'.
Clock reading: 7 h 57 min
